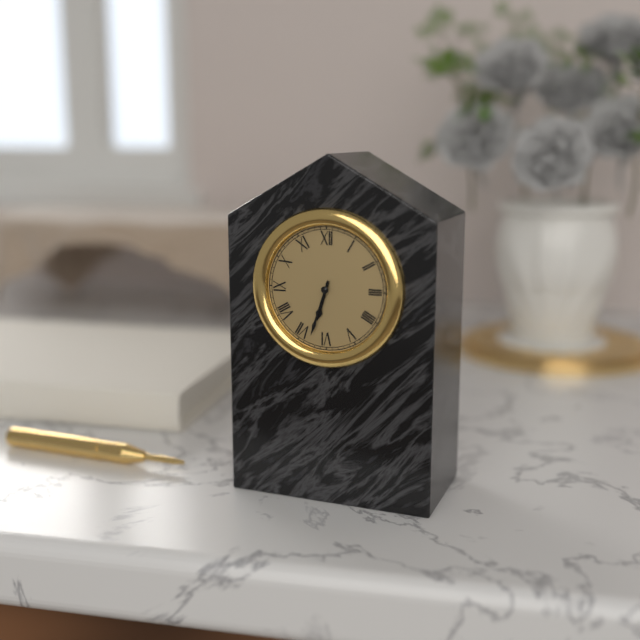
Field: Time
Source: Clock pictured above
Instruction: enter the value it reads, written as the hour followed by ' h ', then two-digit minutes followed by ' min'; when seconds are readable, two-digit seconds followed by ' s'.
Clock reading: 6 h 33 min
